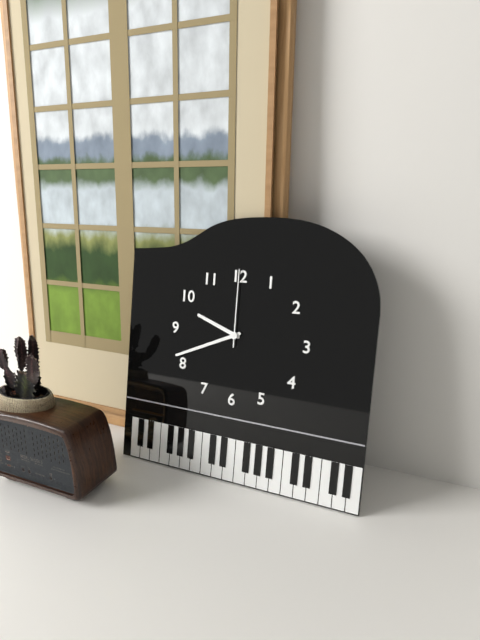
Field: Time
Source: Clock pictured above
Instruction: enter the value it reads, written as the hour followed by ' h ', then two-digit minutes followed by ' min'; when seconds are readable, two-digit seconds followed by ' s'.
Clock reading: 9 h 41 min 00 s
